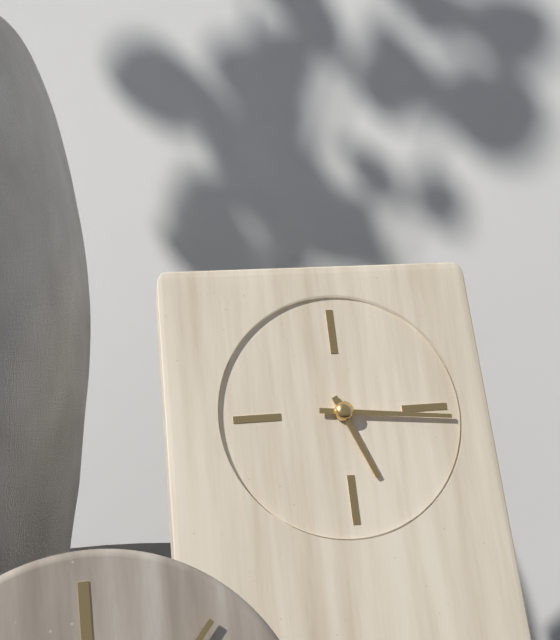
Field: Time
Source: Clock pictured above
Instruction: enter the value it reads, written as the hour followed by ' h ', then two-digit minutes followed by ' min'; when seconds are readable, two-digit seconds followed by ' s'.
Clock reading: 5 h 16 min
